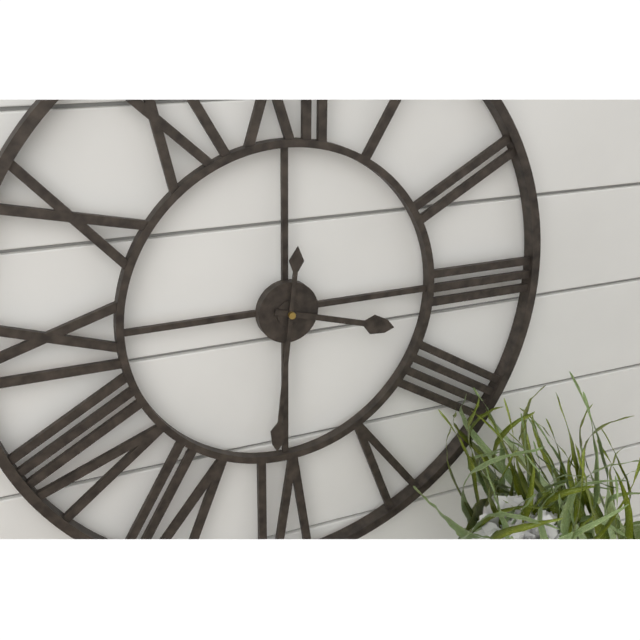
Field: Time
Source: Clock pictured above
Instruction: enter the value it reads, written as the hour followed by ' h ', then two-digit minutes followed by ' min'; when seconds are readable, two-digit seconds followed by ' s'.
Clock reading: 3 h 31 min
